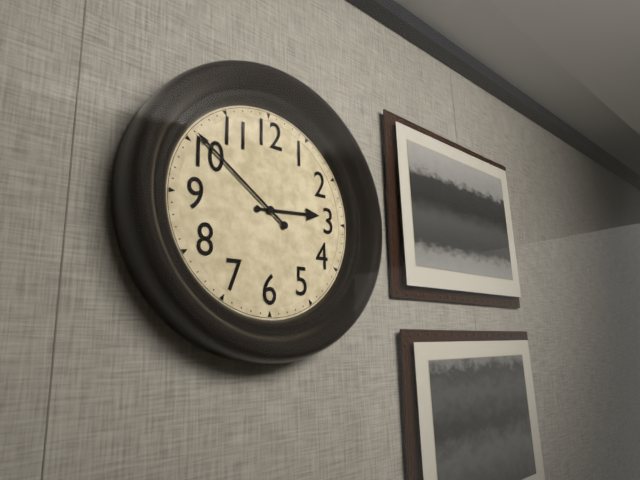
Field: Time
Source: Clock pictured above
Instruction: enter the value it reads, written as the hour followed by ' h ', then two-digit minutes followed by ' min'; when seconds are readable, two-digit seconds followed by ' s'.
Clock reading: 2 h 51 min
